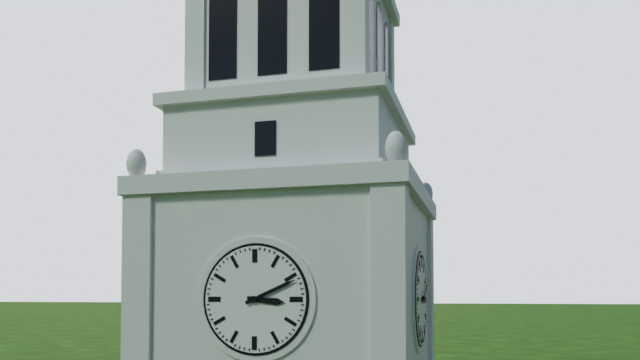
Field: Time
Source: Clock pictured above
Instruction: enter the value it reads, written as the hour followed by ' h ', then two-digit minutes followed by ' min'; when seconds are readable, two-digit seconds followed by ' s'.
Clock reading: 3 h 11 min
